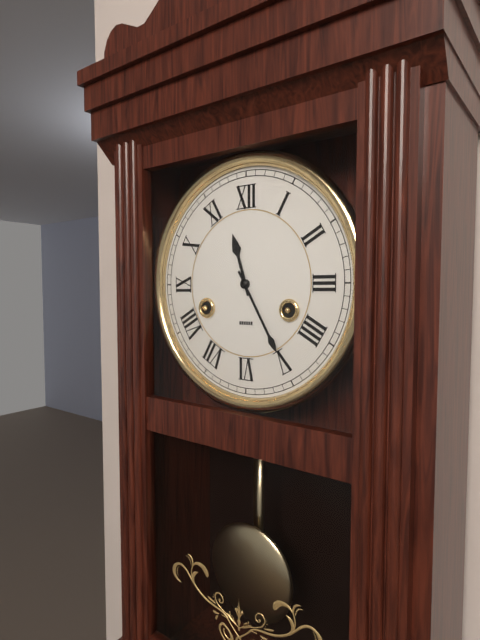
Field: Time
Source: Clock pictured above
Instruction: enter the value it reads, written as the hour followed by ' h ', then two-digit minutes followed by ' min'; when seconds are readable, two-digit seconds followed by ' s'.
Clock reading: 11 h 25 min
